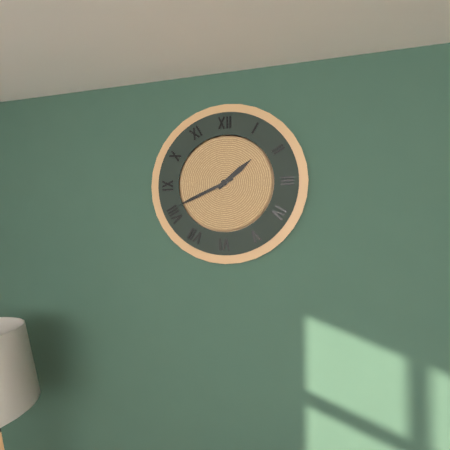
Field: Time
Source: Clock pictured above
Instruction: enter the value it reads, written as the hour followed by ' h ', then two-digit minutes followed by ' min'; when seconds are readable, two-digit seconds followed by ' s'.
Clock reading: 1 h 41 min
